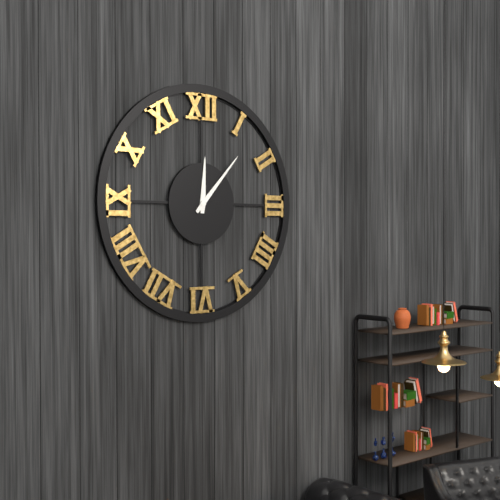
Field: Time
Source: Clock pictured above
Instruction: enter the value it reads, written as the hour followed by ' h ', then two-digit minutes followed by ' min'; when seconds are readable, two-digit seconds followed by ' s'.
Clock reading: 12 h 07 min
